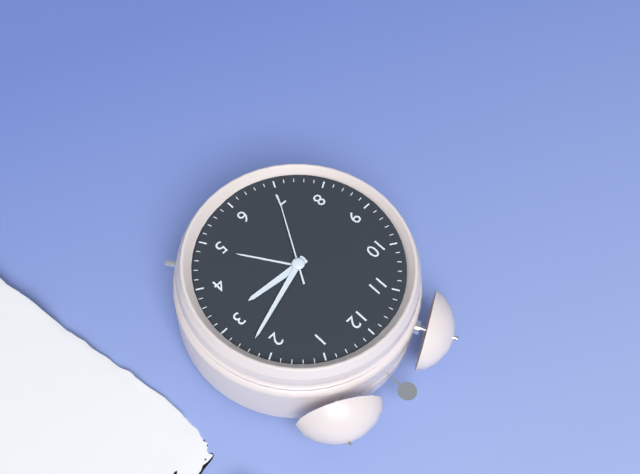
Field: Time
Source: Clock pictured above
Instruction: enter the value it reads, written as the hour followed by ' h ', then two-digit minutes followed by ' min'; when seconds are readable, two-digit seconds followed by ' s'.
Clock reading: 3 h 12 min 35 s
